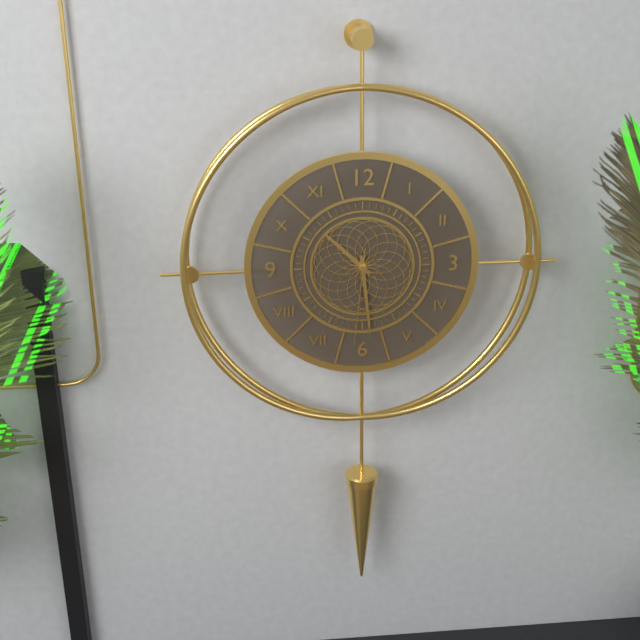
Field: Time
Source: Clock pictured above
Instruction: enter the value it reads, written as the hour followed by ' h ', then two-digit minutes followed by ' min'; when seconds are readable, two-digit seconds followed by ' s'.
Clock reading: 10 h 29 min 31 s
